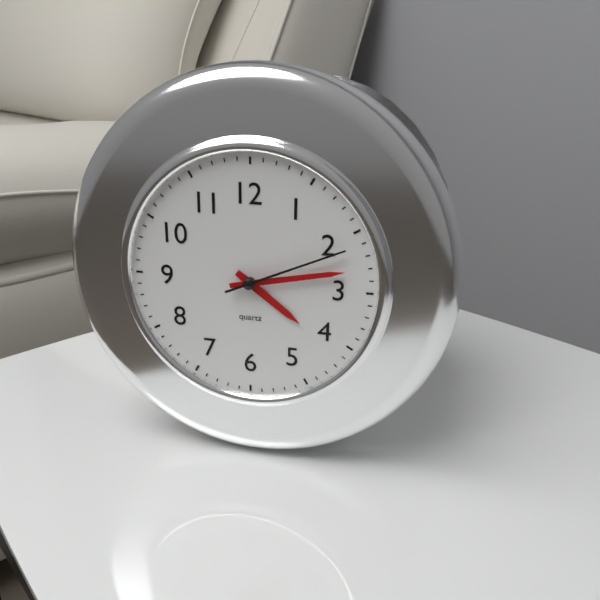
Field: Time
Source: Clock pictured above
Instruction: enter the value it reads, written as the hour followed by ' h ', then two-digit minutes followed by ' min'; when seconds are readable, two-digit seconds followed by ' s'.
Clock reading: 4 h 13 min 11 s
